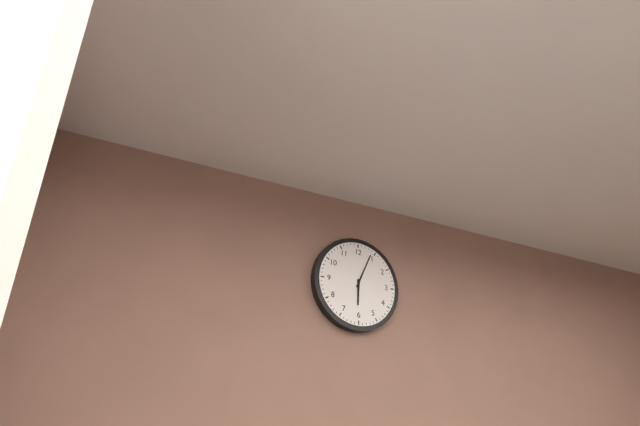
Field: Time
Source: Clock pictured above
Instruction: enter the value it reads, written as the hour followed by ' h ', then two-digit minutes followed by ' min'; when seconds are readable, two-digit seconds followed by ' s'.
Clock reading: 6 h 04 min
